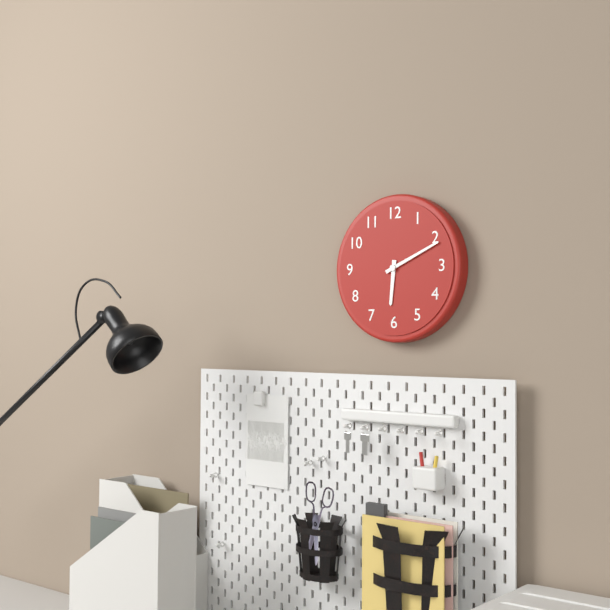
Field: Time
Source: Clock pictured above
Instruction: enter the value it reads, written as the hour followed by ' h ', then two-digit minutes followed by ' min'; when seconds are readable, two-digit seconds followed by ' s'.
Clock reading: 6 h 11 min
